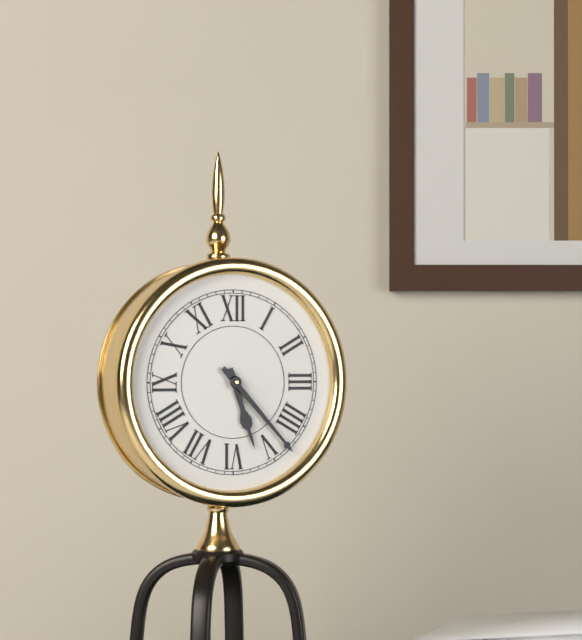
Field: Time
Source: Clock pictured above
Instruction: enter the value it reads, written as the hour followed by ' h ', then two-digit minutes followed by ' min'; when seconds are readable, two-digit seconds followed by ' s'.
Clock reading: 5 h 23 min
